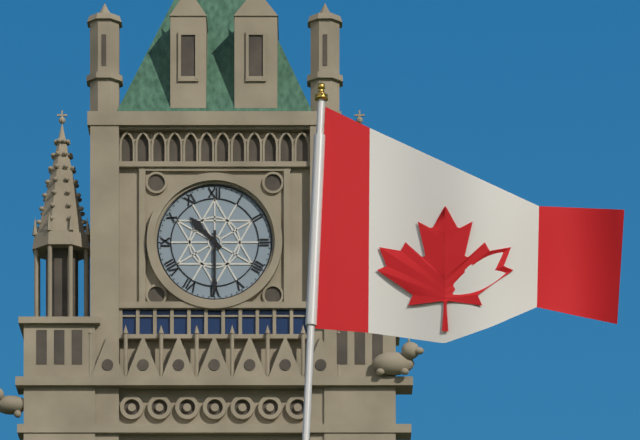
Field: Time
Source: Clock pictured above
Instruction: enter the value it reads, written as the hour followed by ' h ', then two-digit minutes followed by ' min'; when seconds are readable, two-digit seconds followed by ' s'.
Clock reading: 10 h 30 min
